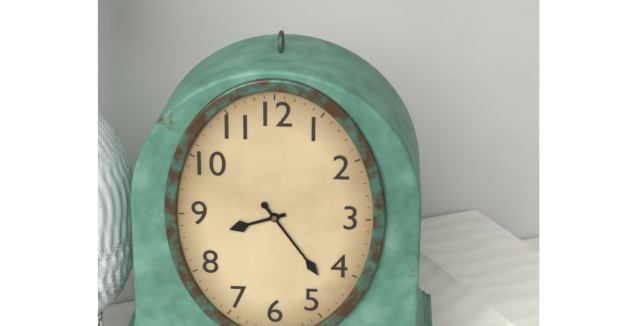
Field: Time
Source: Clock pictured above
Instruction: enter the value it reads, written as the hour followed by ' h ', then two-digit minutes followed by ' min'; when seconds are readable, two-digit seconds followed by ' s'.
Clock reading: 8 h 24 min
